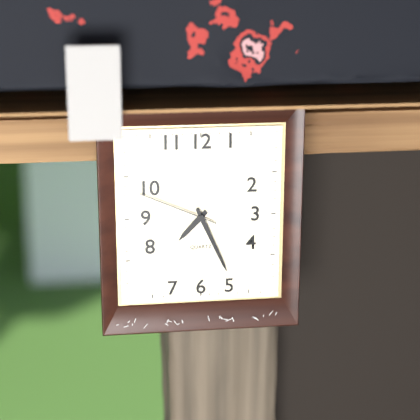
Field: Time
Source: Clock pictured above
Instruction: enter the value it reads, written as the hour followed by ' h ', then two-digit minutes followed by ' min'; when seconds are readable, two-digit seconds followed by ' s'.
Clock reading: 7 h 26 min 49 s
